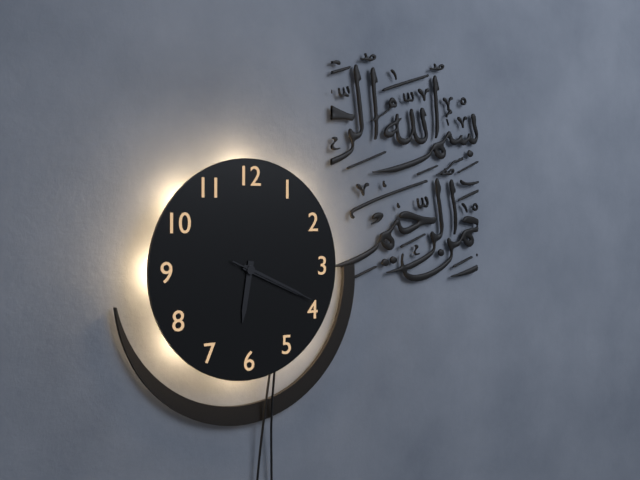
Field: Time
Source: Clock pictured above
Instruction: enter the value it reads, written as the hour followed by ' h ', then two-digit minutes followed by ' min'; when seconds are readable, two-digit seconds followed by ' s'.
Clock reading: 6 h 19 min 19 s
